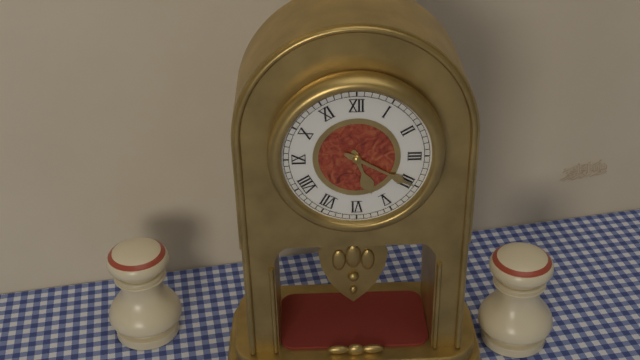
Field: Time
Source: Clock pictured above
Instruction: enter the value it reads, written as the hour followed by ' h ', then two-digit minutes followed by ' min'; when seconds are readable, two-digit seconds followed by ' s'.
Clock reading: 5 h 20 min
